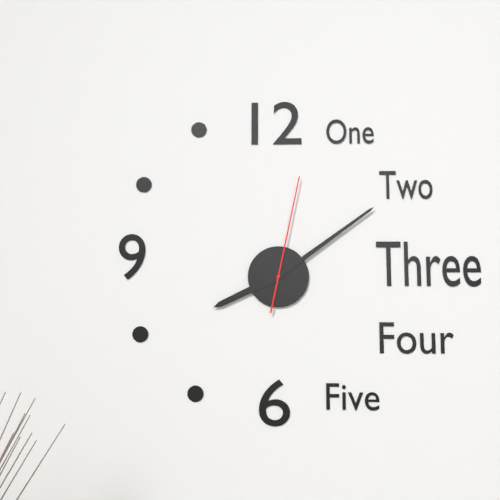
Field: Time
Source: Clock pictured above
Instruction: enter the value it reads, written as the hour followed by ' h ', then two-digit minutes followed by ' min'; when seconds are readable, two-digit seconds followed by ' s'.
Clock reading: 8 h 09 min 02 s
